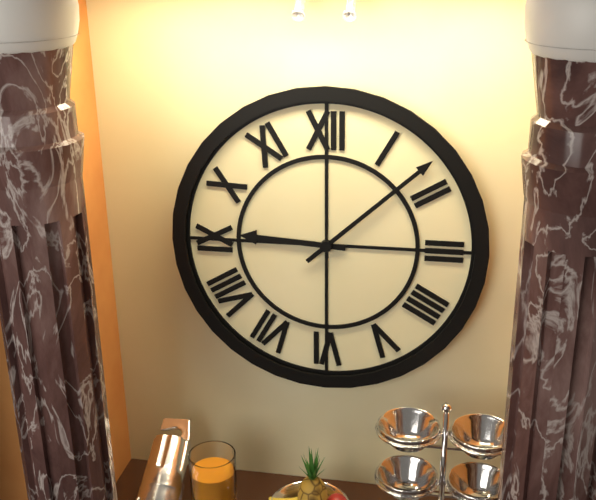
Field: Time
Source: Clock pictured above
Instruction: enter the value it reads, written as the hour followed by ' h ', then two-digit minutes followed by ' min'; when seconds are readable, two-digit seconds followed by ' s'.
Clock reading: 9 h 08 min
